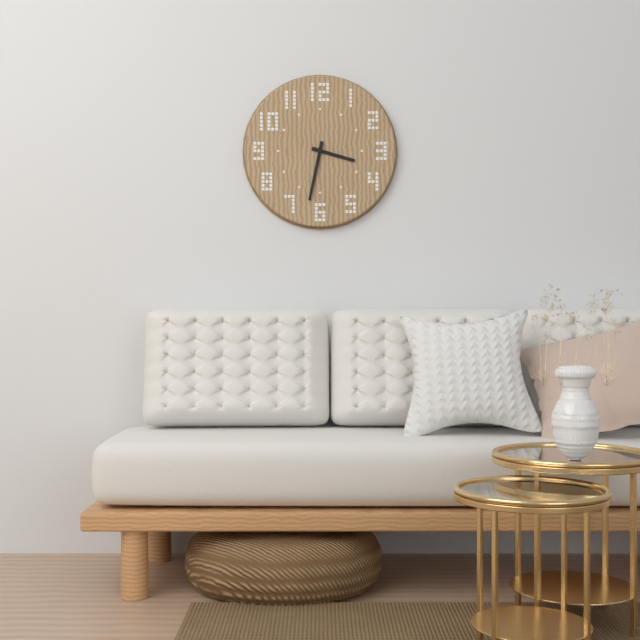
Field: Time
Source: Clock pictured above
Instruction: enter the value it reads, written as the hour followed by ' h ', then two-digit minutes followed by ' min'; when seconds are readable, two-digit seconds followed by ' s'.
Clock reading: 3 h 32 min
